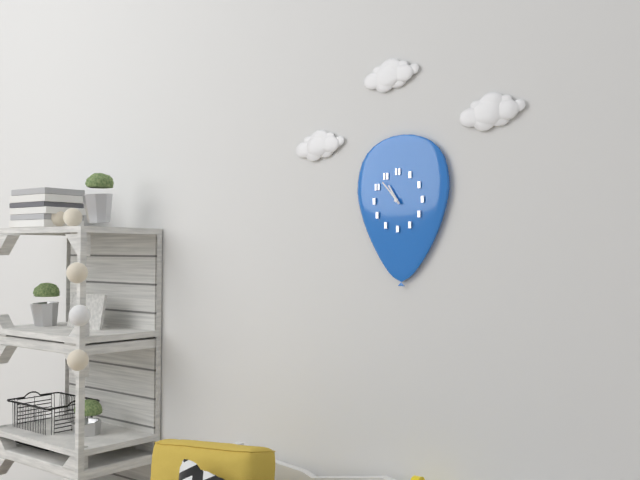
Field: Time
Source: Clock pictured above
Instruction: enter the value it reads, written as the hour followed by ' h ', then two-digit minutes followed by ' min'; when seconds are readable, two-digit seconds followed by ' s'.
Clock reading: 10 h 53 min
